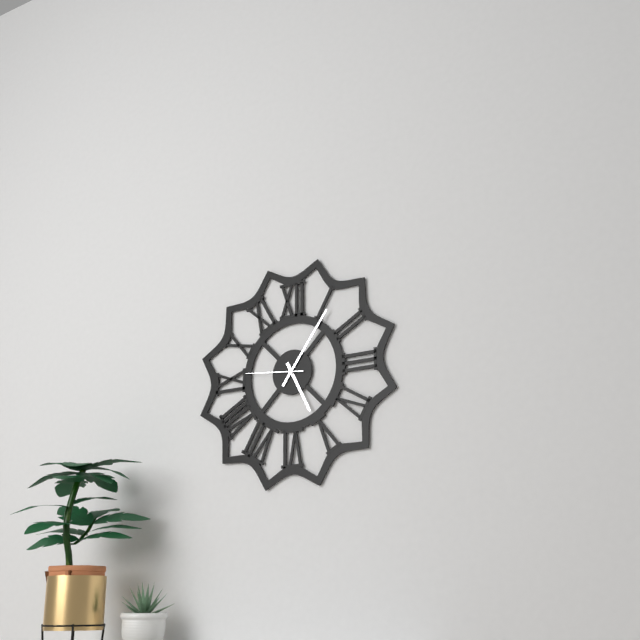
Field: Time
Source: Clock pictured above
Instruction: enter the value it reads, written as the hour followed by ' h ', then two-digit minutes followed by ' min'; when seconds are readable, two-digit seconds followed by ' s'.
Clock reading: 5 h 06 min 46 s
